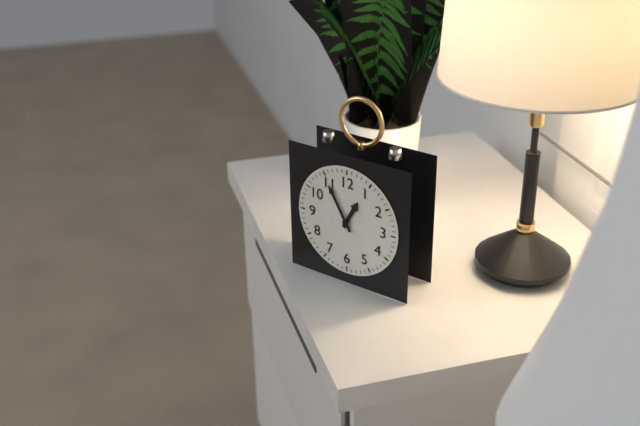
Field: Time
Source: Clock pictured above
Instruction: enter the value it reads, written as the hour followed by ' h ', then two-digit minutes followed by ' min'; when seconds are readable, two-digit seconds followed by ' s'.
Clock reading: 12 h 55 min
